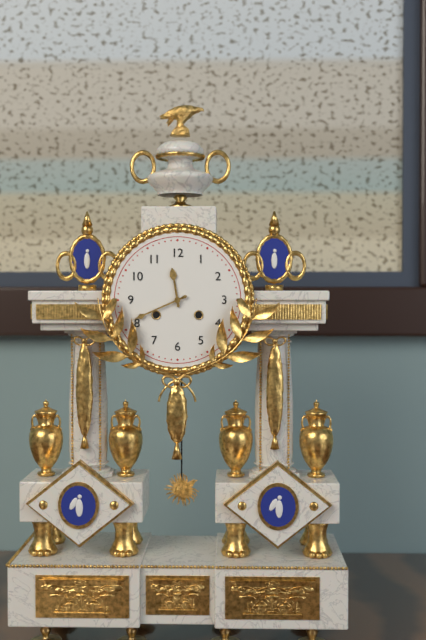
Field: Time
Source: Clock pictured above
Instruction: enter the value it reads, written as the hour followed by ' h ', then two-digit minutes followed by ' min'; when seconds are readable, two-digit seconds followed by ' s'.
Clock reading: 11 h 41 min
